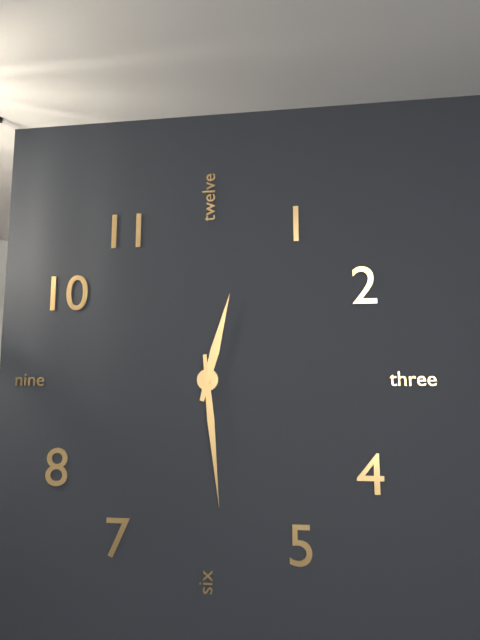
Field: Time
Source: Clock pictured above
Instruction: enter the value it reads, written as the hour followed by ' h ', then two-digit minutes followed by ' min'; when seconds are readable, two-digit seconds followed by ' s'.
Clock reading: 12 h 29 min
